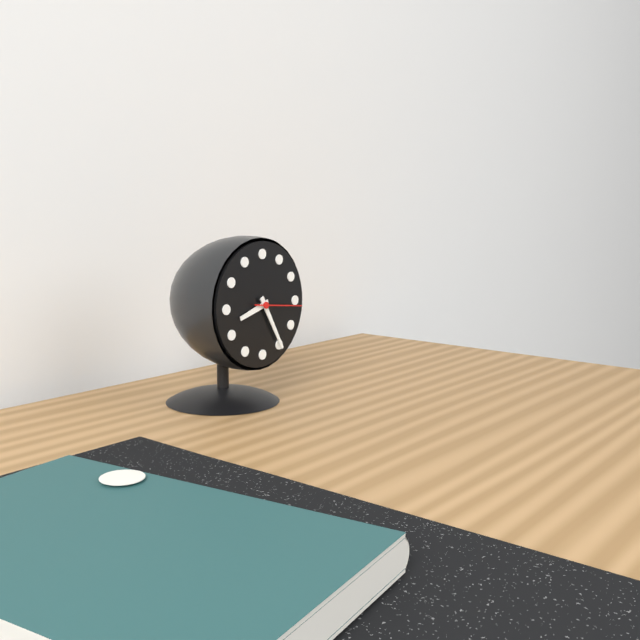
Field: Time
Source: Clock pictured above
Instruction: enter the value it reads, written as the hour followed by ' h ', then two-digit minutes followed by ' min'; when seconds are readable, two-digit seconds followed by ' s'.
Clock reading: 8 h 25 min
